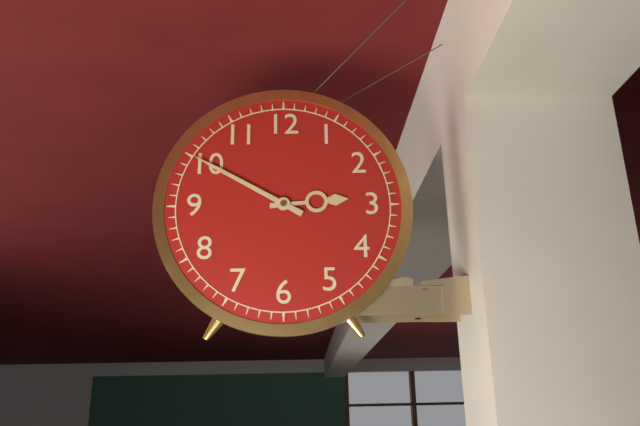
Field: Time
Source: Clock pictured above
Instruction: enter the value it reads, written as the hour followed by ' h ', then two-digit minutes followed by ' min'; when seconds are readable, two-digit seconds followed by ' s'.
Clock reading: 2 h 50 min
